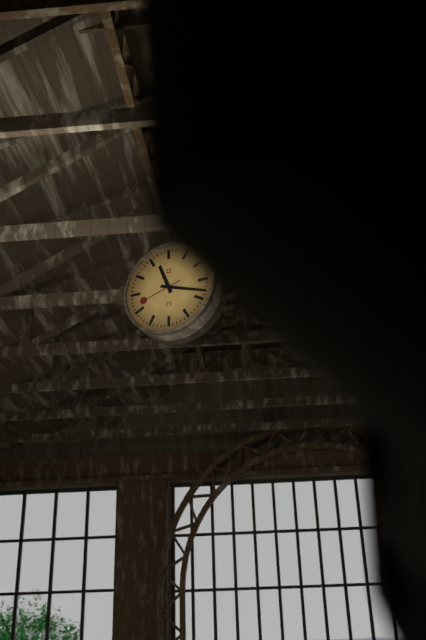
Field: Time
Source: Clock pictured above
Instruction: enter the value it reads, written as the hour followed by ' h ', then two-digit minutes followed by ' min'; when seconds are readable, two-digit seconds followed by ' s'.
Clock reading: 11 h 18 min
